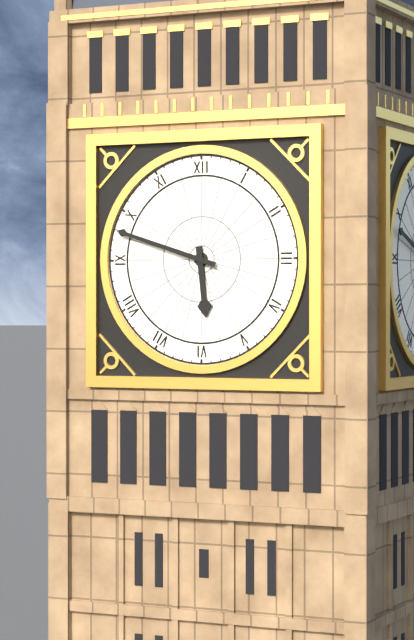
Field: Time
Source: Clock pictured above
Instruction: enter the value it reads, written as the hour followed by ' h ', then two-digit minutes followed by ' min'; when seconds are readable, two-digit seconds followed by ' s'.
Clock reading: 5 h 48 min
